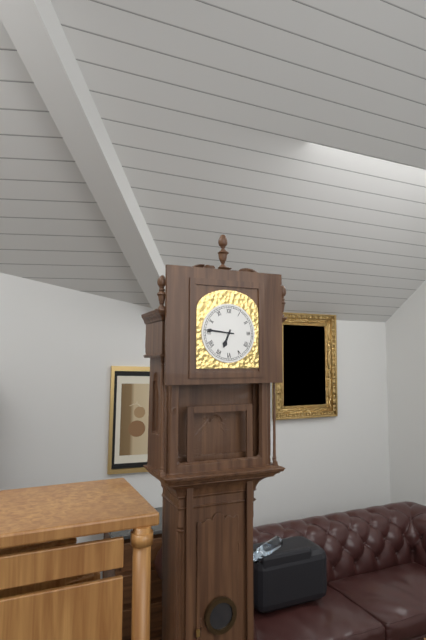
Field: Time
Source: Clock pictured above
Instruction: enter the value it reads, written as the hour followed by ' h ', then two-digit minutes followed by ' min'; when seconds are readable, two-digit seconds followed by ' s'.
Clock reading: 6 h 46 min
